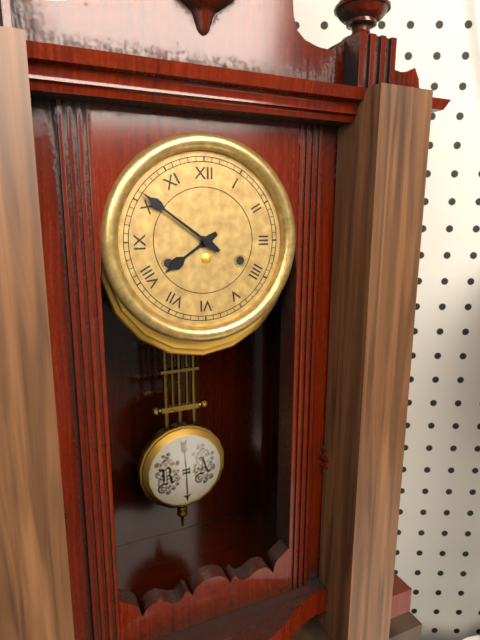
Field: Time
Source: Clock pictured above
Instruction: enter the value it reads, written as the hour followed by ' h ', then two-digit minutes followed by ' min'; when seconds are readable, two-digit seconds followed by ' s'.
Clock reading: 7 h 51 min
